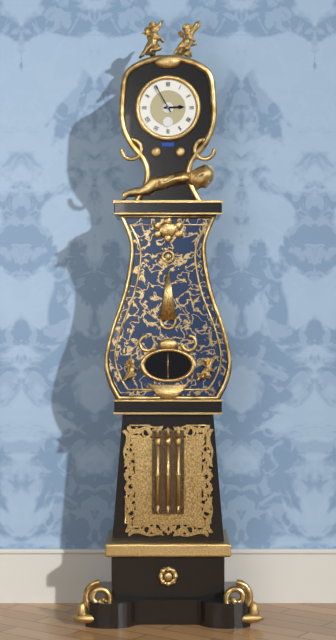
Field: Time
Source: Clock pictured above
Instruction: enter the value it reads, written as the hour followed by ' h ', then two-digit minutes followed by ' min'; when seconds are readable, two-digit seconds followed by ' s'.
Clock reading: 2 h 55 min
